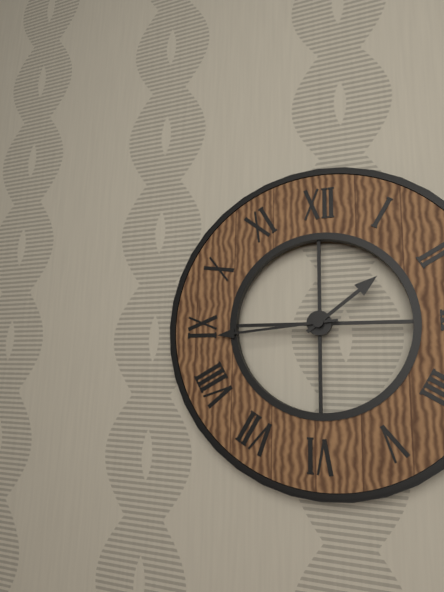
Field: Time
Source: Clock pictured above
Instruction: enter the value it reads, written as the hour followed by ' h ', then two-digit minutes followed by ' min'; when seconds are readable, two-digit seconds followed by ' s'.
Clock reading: 1 h 44 min
